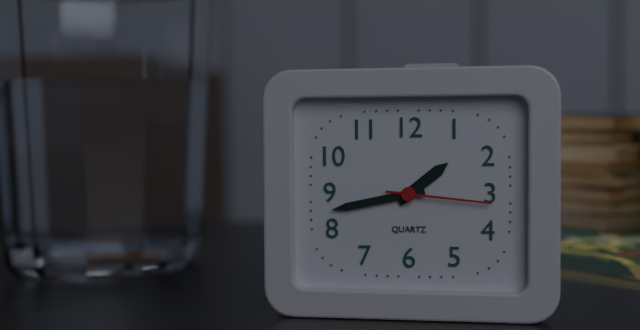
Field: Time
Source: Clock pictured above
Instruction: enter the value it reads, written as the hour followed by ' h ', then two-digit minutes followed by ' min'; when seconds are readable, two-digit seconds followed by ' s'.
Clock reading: 1 h 43 min 16 s
